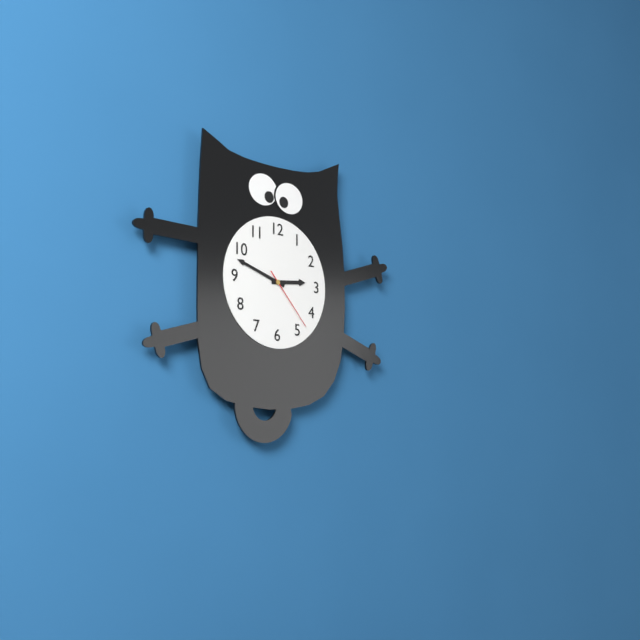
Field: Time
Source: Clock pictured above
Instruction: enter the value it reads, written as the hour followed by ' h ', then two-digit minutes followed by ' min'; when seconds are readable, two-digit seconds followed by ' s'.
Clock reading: 2 h 48 min 23 s
